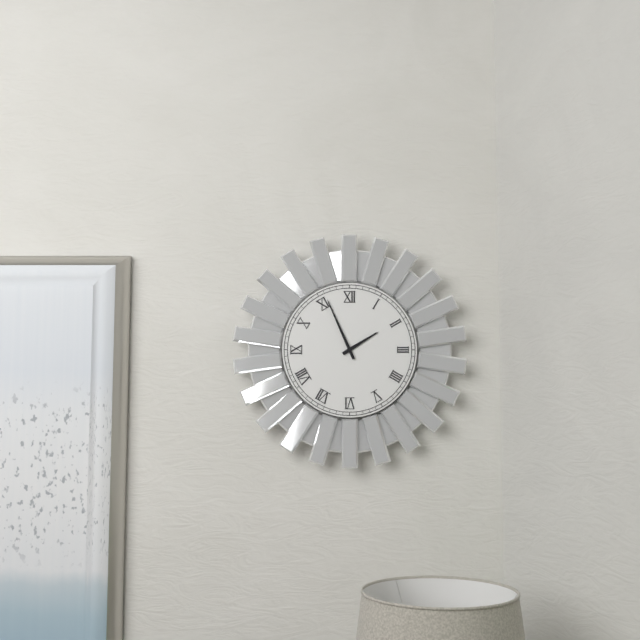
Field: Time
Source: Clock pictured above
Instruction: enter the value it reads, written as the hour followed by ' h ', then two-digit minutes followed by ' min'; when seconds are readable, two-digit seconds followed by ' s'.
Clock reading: 1 h 56 min
